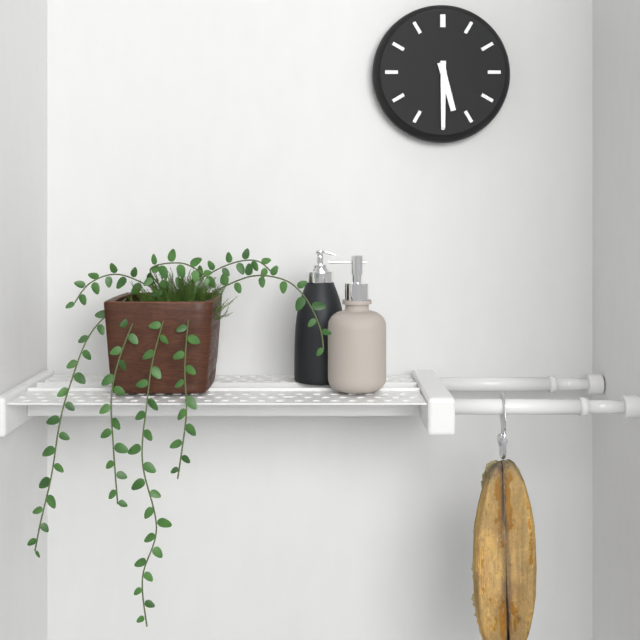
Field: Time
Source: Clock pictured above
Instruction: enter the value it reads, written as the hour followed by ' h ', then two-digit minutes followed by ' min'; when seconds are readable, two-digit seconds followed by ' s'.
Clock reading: 5 h 30 min
